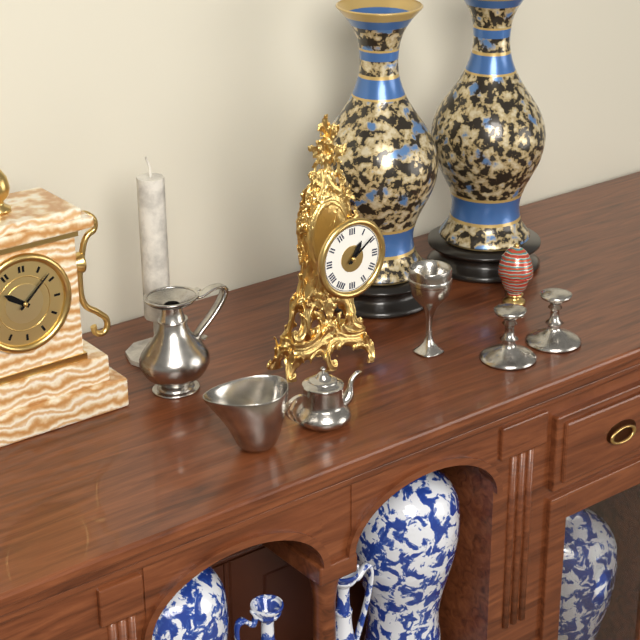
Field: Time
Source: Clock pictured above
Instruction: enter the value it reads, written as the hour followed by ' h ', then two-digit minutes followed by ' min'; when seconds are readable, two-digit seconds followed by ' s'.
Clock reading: 1 h 09 min
